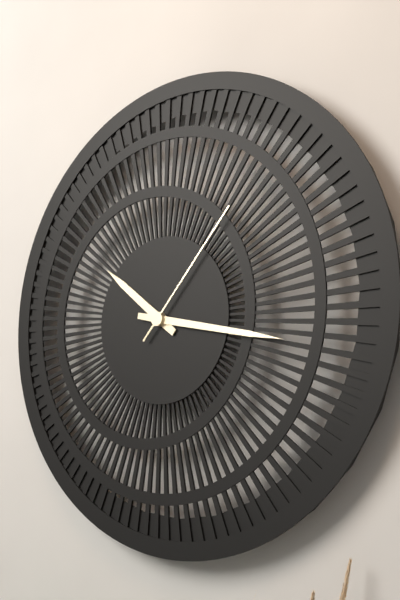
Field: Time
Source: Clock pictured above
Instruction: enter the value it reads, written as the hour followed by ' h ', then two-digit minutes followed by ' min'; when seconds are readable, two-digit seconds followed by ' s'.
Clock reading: 10 h 17 min 07 s
